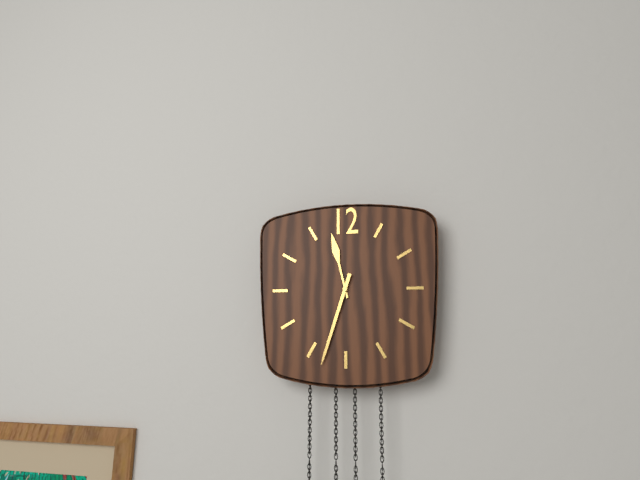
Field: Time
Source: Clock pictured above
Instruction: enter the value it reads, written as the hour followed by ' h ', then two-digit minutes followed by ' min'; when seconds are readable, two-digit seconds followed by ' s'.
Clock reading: 11 h 33 min
